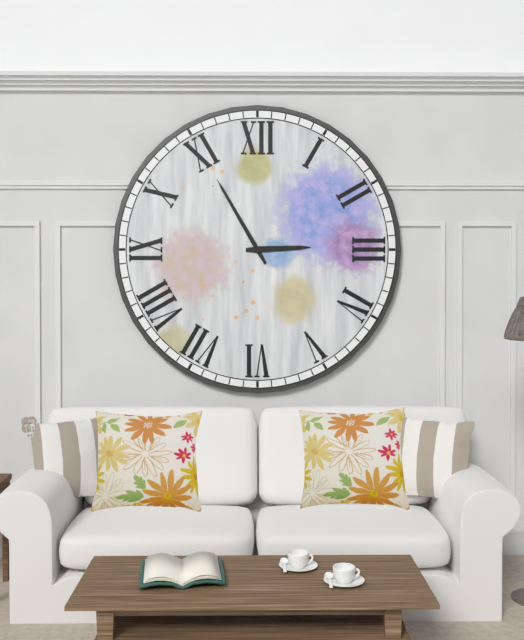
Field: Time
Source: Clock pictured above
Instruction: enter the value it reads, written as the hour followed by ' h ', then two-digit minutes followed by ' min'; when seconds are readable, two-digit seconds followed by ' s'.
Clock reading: 2 h 55 min
